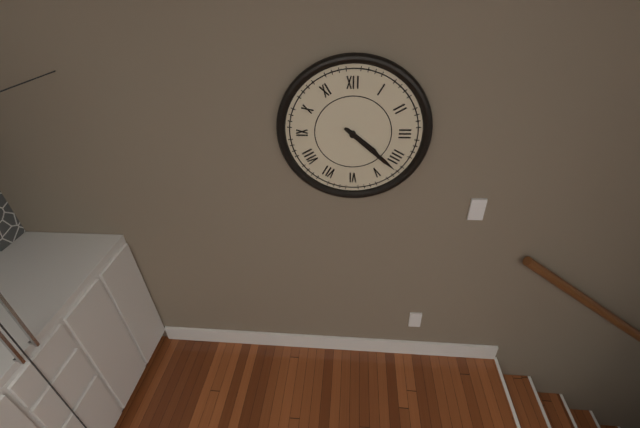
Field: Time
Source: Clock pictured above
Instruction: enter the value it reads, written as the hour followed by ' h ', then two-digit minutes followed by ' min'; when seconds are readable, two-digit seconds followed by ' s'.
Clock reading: 4 h 22 min
